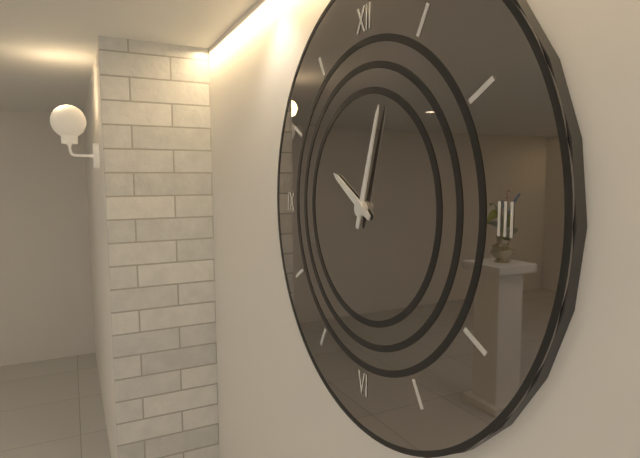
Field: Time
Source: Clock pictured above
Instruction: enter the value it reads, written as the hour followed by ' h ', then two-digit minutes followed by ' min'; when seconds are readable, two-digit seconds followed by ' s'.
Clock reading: 10 h 03 min
